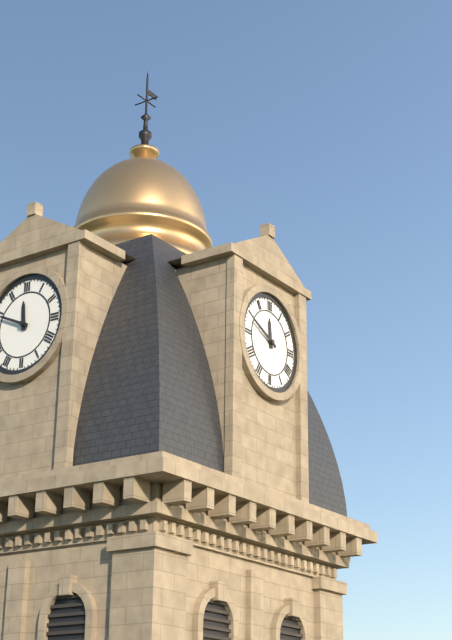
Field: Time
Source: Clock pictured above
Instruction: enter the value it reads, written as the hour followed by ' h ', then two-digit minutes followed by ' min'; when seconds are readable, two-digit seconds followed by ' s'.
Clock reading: 11 h 49 min
